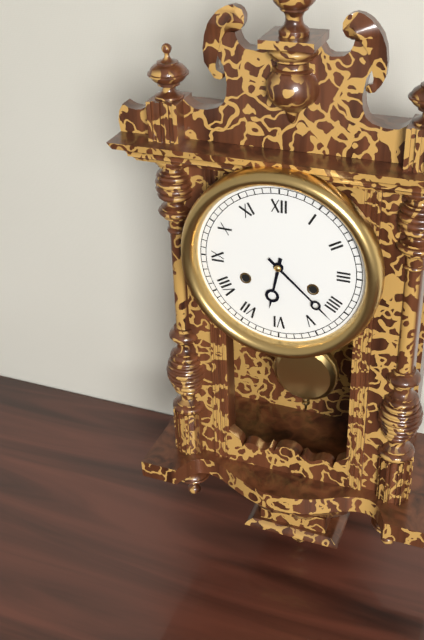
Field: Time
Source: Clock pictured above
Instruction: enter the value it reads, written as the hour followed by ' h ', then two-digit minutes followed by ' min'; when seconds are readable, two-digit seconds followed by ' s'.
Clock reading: 6 h 22 min
